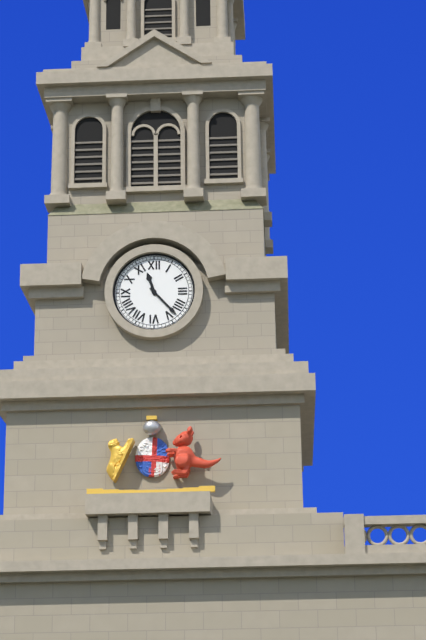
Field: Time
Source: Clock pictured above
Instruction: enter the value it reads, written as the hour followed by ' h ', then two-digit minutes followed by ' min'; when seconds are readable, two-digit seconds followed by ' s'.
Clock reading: 11 h 23 min
